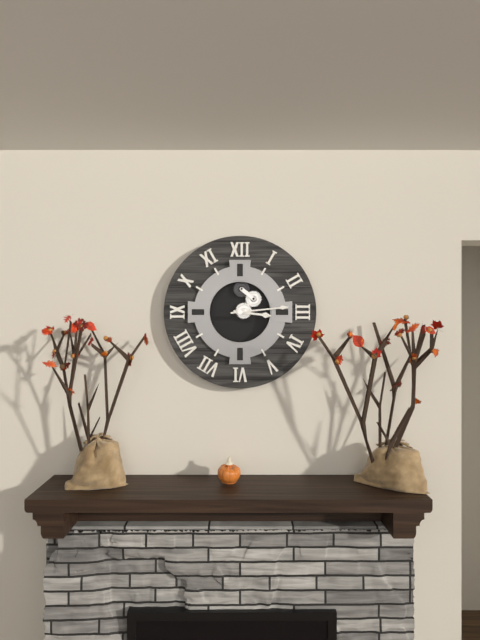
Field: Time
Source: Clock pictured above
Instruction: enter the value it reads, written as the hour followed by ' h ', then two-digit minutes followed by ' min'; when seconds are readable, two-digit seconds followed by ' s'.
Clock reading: 3 h 14 min
